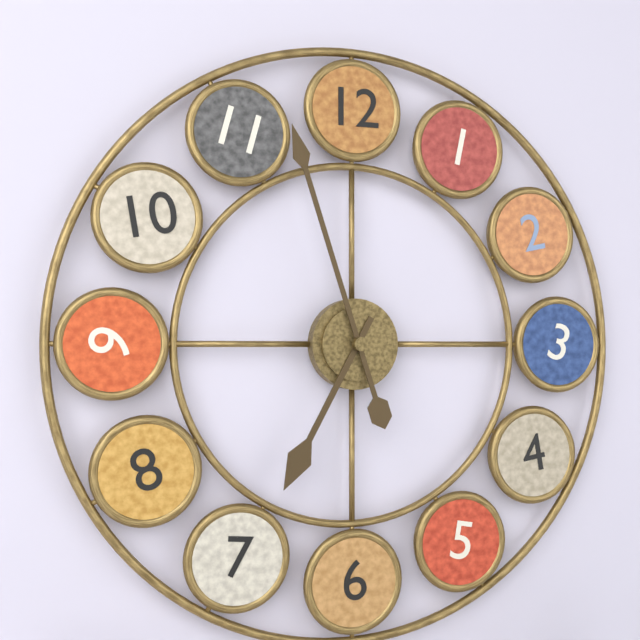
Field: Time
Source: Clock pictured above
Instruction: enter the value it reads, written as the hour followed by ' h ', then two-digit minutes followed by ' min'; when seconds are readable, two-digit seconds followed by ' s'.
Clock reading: 6 h 57 min
